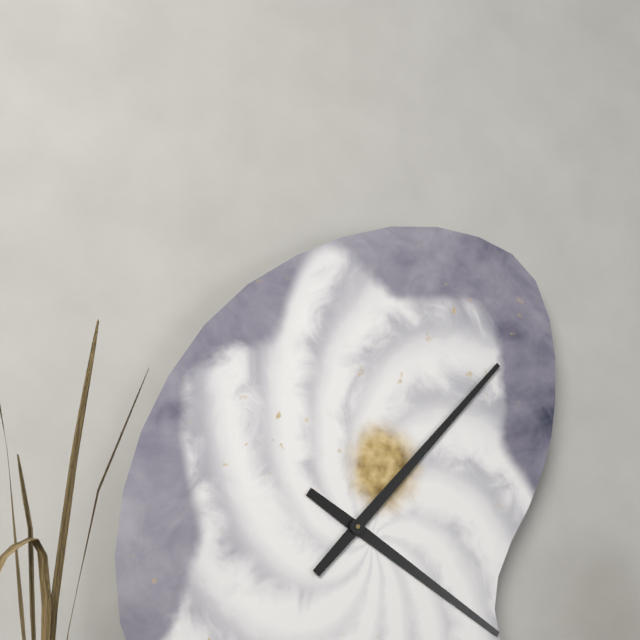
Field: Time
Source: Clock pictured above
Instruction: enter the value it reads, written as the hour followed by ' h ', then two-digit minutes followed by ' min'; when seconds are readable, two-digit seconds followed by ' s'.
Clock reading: 4 h 07 min
